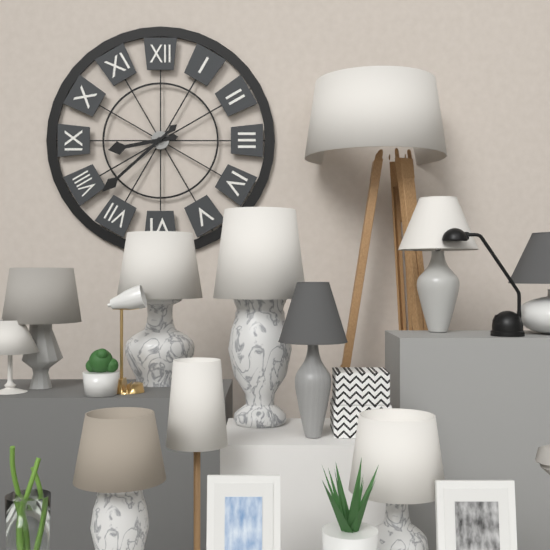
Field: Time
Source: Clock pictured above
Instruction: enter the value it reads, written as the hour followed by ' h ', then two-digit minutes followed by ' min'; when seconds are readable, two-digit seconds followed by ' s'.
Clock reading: 8 h 38 min
